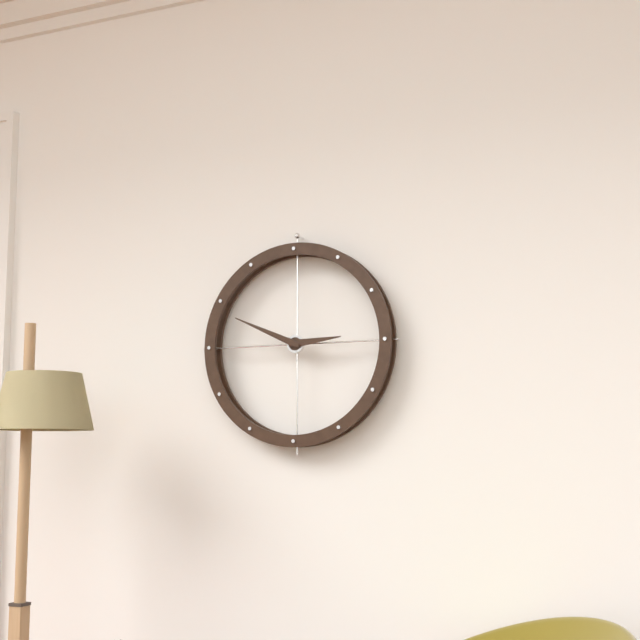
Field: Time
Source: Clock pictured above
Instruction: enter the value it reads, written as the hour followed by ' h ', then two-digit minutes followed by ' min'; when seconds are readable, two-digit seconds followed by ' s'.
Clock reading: 2 h 49 min
